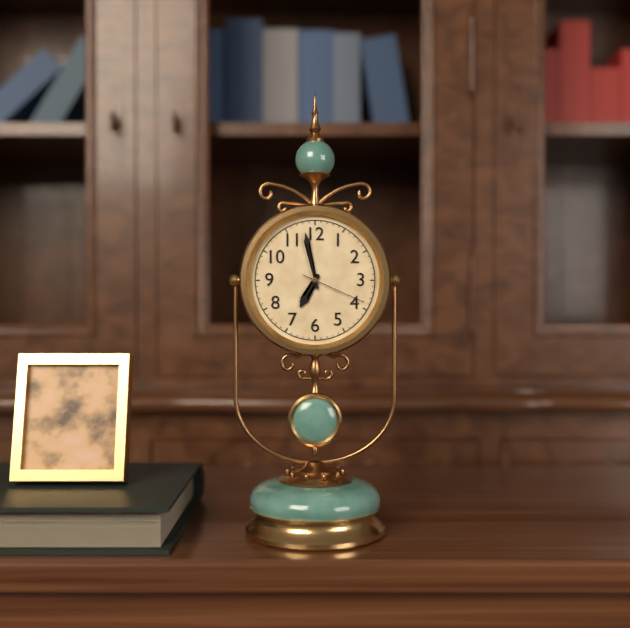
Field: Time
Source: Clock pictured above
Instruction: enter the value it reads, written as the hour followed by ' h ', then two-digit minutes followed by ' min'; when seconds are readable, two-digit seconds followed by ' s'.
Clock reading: 6 h 58 min 19 s
